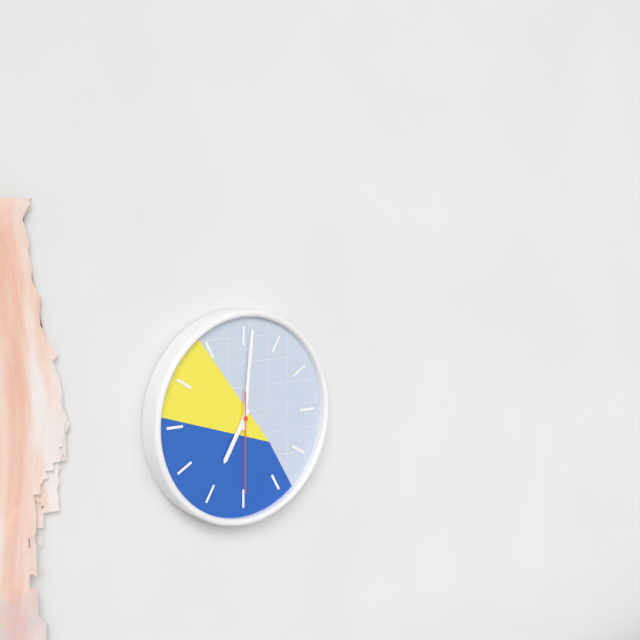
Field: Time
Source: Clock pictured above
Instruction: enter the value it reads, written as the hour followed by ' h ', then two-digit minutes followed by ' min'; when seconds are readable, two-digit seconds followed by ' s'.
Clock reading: 7 h 01 min 30 s
